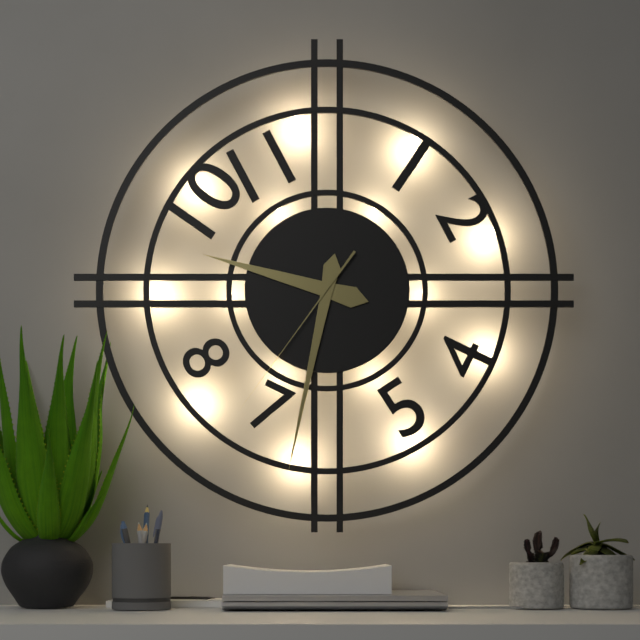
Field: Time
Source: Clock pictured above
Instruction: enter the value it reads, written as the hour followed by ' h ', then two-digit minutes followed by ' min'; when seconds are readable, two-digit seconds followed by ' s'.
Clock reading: 9 h 32 min 36 s
